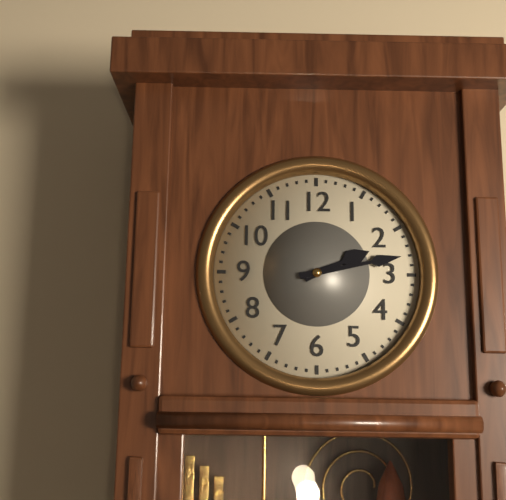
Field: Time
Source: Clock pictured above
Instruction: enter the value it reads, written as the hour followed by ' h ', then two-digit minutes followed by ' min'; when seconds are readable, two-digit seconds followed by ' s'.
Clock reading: 2 h 13 min
